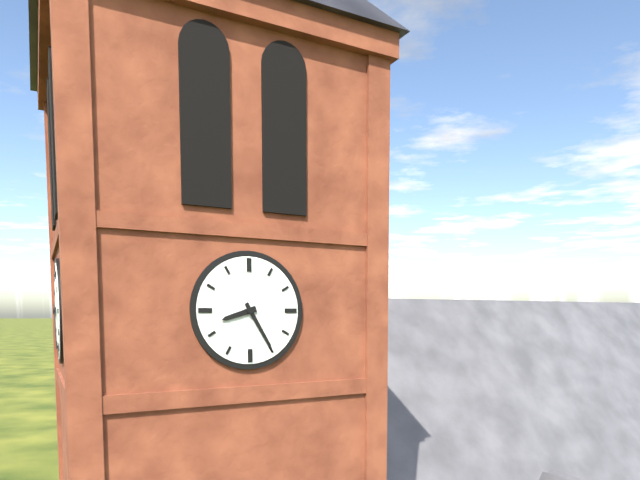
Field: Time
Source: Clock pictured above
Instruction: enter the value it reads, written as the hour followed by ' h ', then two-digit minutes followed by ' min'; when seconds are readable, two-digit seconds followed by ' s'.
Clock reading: 8 h 25 min
